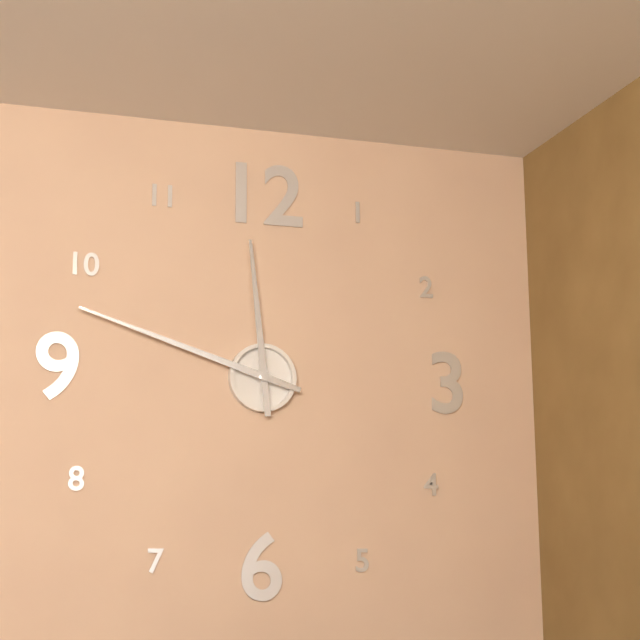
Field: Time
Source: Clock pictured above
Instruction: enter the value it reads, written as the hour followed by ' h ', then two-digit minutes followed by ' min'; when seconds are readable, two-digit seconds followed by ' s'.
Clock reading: 11 h 48 min
